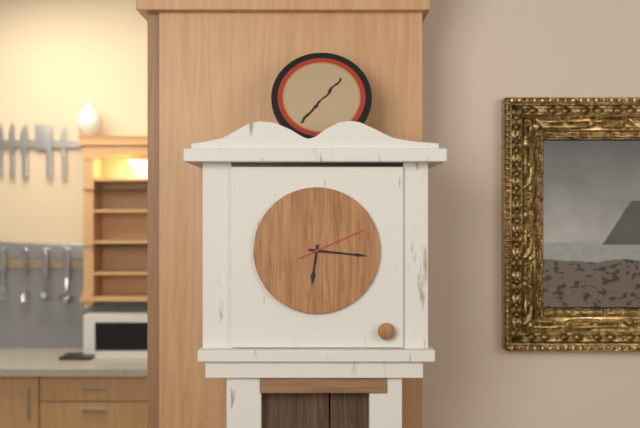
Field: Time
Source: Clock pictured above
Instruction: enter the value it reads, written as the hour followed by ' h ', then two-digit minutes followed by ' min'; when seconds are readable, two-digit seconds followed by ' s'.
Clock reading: 6 h 16 min 11 s
